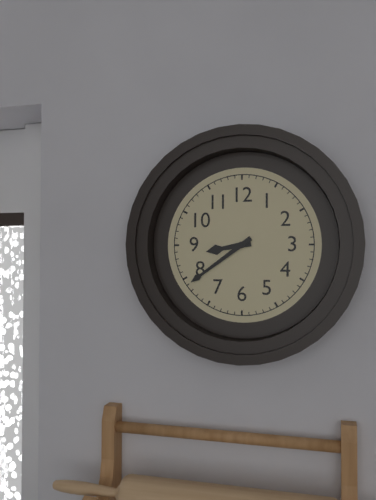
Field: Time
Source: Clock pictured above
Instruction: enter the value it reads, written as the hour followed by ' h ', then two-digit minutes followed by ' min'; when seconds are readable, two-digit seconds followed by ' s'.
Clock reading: 8 h 39 min
